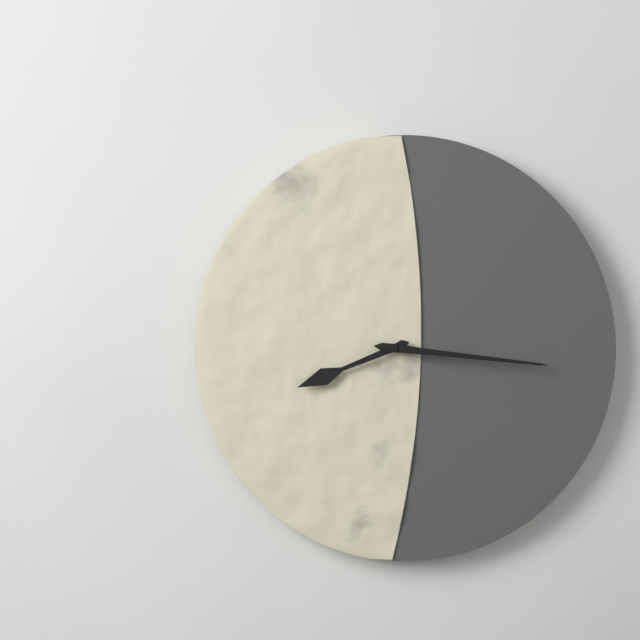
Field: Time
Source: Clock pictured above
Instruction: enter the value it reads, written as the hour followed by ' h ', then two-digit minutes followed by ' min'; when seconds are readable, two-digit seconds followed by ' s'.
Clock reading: 8 h 16 min
